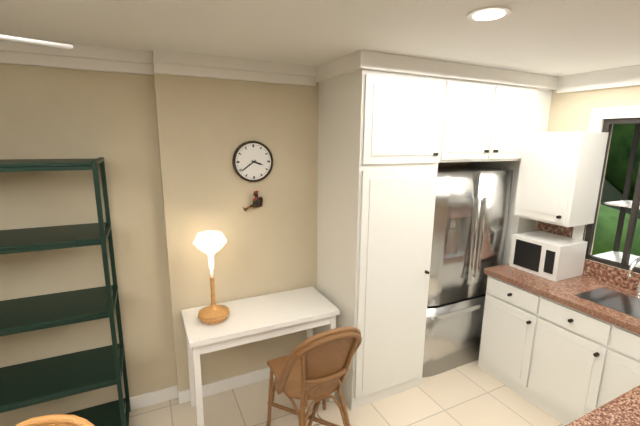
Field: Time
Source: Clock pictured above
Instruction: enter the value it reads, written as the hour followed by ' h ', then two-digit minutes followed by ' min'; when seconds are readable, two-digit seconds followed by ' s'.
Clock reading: 3 h 39 min
